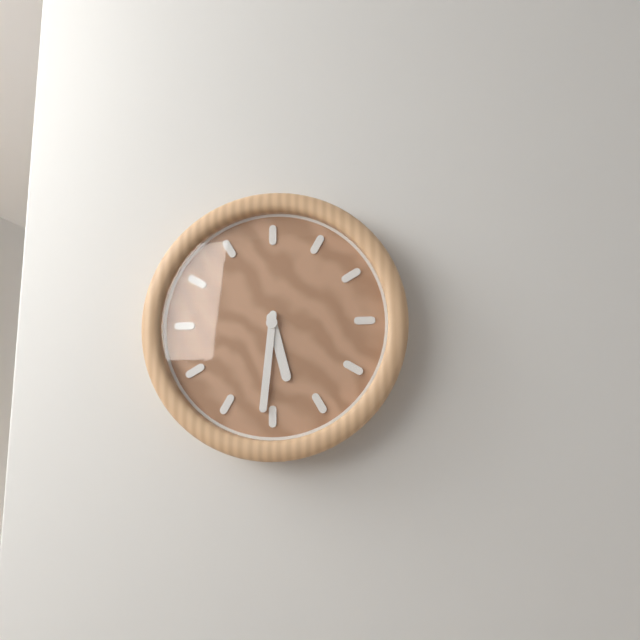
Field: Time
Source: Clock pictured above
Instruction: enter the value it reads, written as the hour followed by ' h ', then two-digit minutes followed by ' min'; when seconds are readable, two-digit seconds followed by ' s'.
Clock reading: 5 h 31 min
